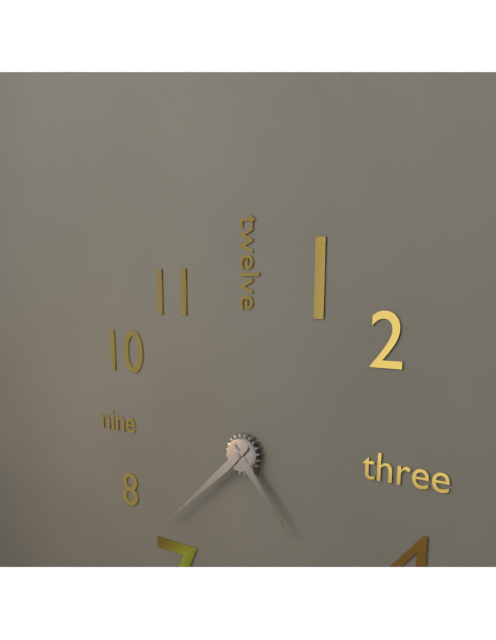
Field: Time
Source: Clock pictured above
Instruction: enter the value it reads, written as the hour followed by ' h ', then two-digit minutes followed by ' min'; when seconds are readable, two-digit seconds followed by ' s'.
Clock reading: 4 h 38 min
